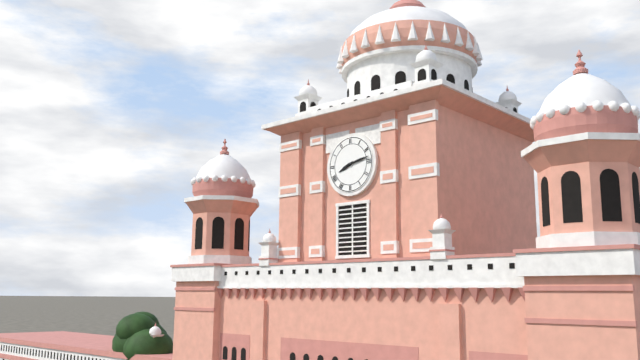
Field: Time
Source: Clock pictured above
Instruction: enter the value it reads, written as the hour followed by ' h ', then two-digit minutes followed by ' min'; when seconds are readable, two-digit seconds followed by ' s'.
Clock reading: 8 h 13 min
